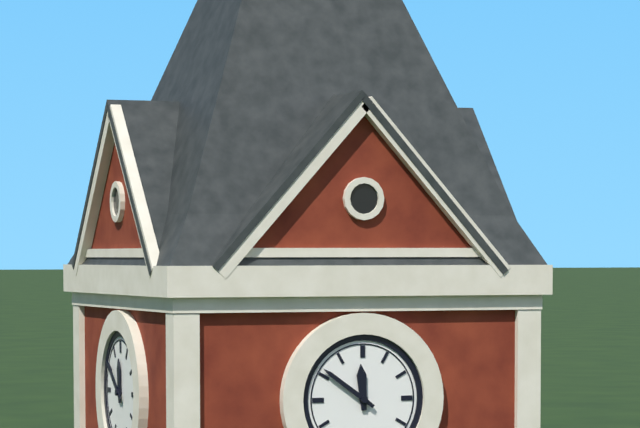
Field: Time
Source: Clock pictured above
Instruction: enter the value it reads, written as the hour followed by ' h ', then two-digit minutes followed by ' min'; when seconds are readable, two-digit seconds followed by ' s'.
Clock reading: 11 h 51 min
